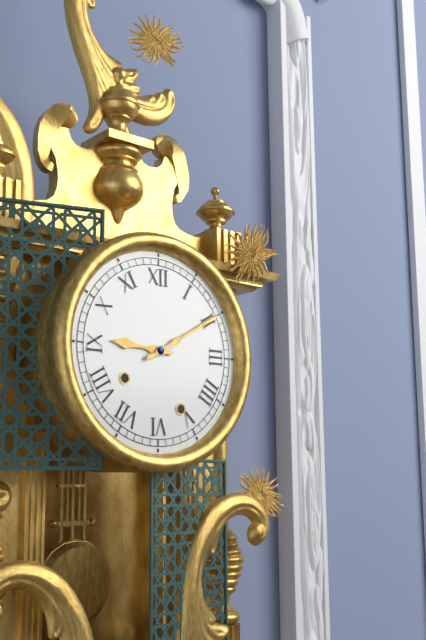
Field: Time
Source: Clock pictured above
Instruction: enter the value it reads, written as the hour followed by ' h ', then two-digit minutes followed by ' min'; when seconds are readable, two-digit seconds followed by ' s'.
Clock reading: 9 h 10 min
